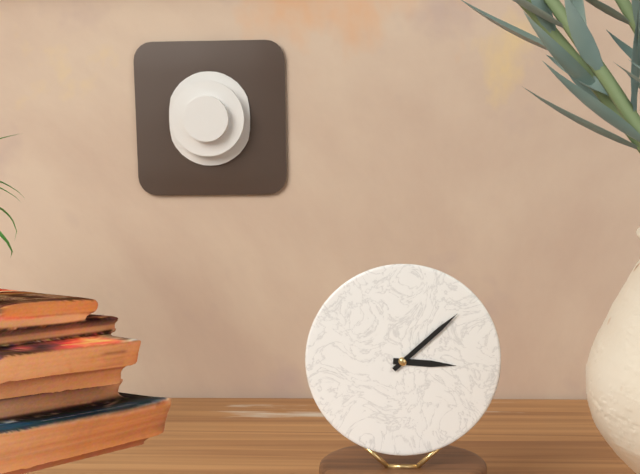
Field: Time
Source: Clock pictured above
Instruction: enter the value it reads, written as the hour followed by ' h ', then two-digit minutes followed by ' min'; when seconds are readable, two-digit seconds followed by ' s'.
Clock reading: 3 h 08 min
